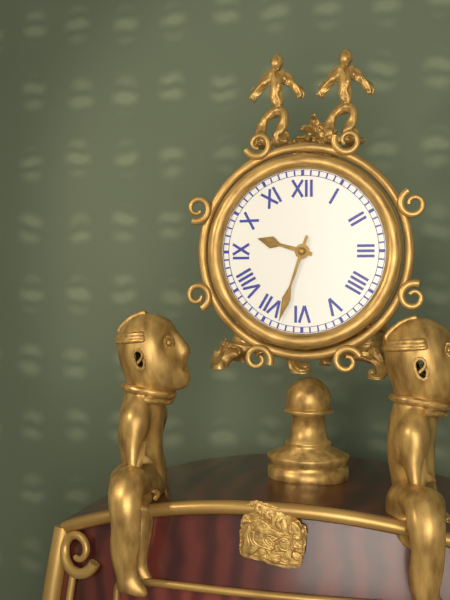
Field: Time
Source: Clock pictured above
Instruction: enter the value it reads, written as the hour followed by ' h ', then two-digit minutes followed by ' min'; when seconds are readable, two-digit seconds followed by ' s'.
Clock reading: 9 h 33 min
